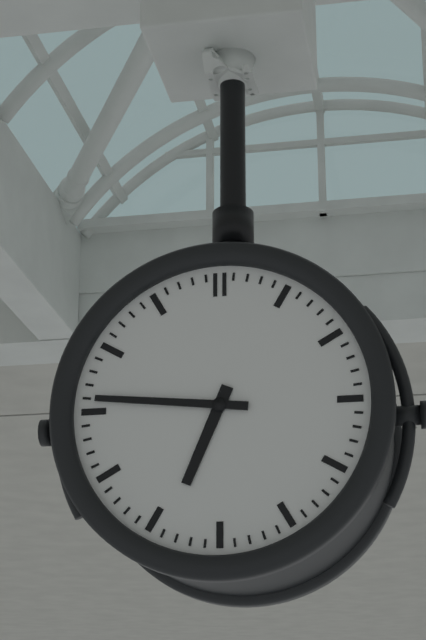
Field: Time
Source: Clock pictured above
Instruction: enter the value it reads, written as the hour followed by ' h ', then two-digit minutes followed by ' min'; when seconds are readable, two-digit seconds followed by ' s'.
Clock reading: 6 h 46 min
